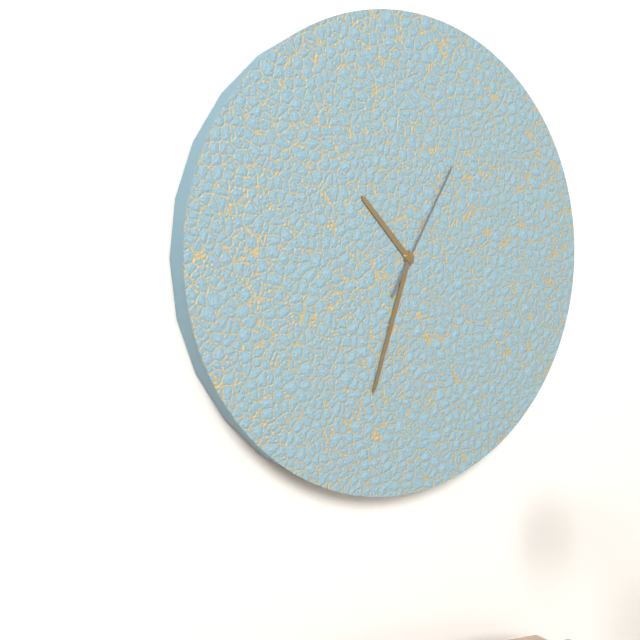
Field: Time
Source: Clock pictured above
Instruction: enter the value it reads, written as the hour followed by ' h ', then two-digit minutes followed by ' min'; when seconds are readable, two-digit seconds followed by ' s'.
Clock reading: 10 h 33 min 05 s
